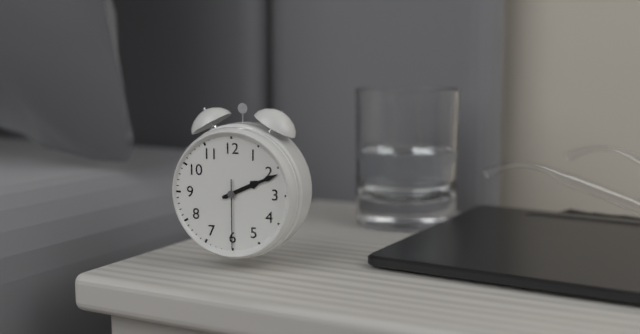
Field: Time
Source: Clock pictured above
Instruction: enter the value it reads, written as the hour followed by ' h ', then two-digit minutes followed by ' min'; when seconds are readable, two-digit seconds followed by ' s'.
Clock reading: 2 h 11 min 30 s
